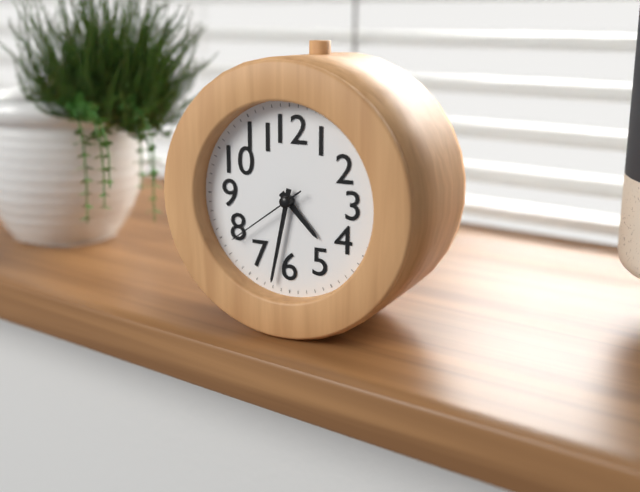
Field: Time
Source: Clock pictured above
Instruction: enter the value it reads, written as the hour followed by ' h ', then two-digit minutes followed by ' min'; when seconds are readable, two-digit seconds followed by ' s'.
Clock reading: 4 h 32 min 39 s
